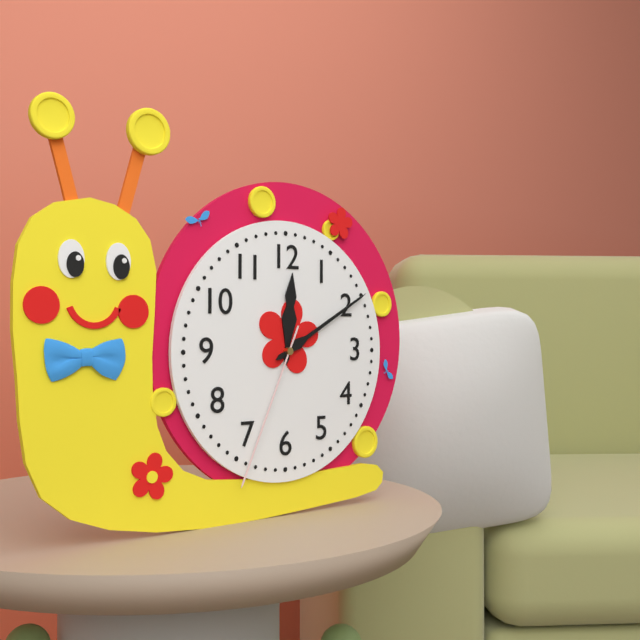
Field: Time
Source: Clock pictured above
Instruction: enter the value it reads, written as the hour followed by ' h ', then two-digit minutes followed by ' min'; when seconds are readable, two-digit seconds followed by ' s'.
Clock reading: 12 h 10 min 34 s
